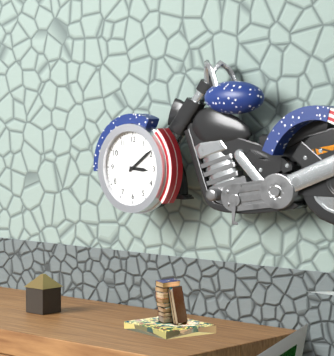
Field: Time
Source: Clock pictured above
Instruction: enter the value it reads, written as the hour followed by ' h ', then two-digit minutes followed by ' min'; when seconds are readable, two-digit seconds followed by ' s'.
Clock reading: 3 h 09 min
